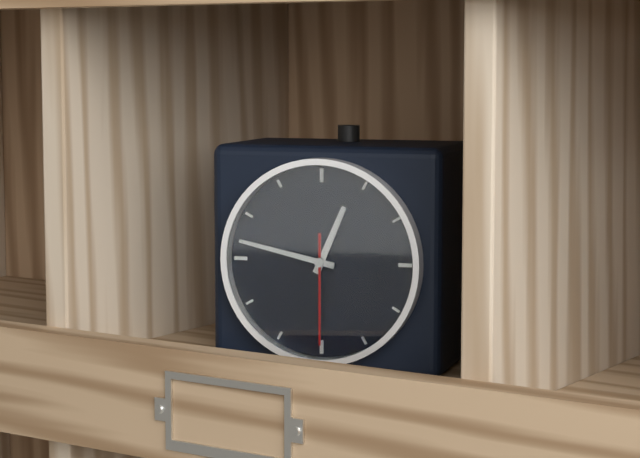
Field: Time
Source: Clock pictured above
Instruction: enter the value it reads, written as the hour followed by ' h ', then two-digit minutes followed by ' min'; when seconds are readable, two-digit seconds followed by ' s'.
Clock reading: 12 h 47 min 30 s
